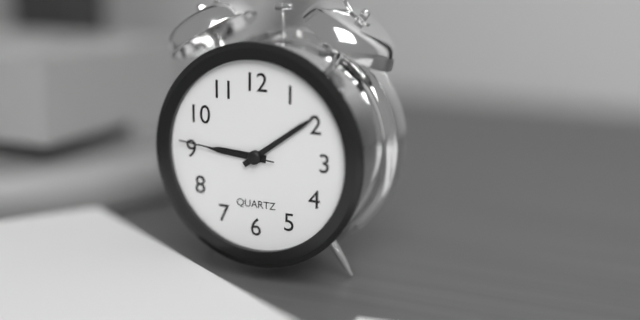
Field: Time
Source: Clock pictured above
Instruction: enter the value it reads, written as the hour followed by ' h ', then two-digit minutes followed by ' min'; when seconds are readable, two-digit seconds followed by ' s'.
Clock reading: 9 h 09 min 46 s
